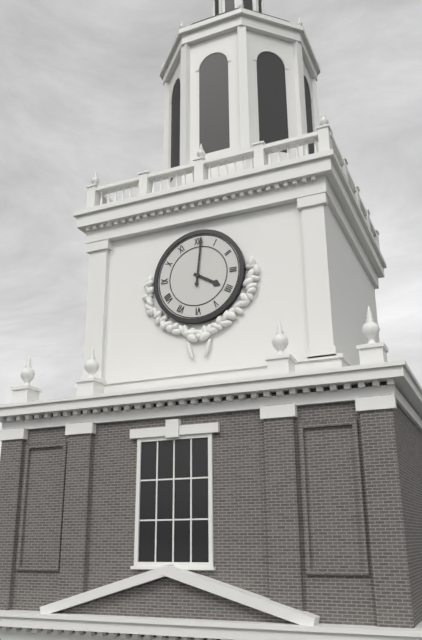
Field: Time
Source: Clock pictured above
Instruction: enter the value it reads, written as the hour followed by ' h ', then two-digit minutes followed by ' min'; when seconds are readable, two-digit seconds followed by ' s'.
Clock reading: 4 h 01 min
